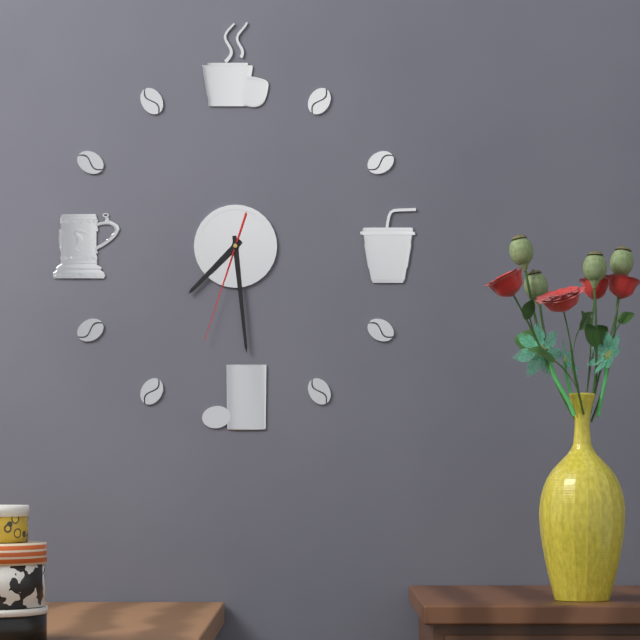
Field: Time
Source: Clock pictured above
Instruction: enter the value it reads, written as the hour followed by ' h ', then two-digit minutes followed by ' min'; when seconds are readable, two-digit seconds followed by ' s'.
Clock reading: 7 h 29 min 33 s
